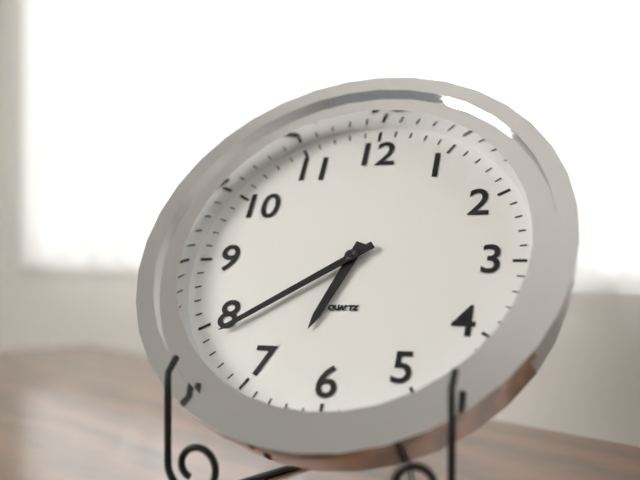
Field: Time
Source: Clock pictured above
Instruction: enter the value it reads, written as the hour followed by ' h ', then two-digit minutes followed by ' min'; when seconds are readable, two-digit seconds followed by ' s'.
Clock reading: 6 h 39 min
